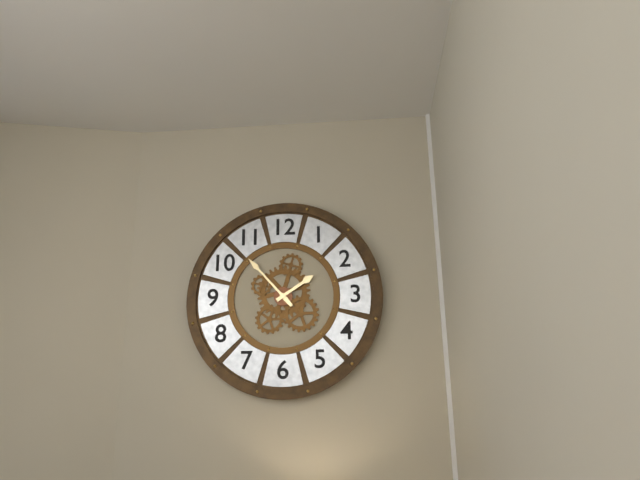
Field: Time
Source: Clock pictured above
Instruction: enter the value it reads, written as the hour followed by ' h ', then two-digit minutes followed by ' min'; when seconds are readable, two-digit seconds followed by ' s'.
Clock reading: 1 h 53 min
